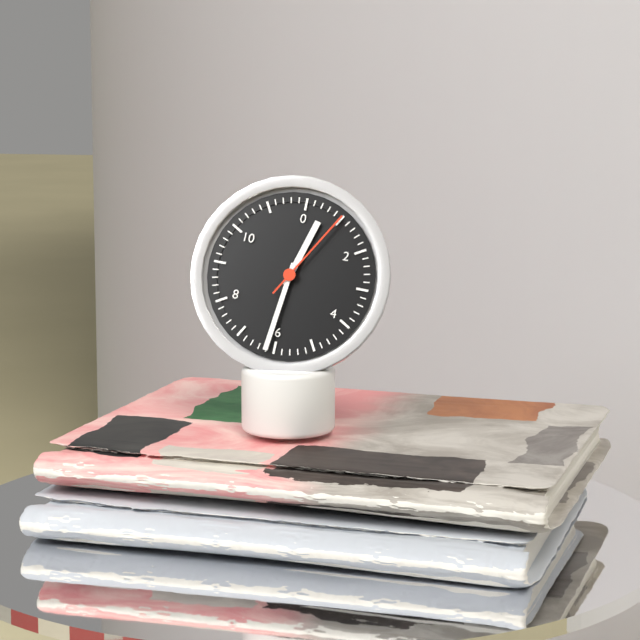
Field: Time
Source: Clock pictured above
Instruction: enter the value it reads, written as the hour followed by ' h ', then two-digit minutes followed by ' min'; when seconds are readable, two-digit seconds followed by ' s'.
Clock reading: 12 h 31 min 05 s
